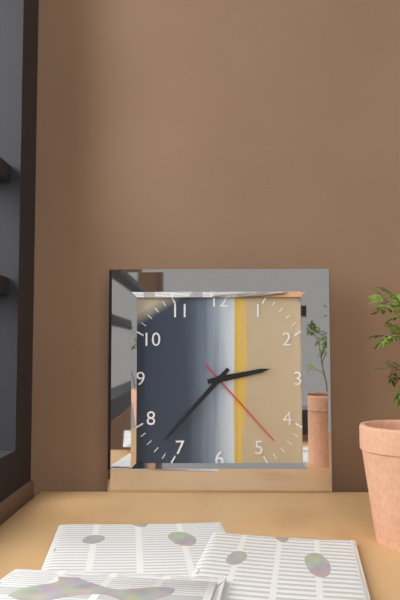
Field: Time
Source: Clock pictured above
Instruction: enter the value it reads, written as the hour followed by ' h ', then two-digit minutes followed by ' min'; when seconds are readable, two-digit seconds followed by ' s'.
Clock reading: 2 h 37 min 23 s
